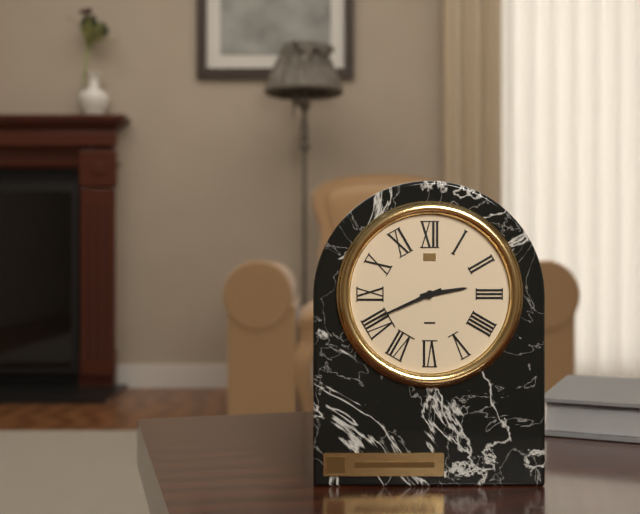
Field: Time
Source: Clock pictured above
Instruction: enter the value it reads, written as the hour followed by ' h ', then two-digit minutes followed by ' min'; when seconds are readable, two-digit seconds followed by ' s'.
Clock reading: 2 h 41 min
